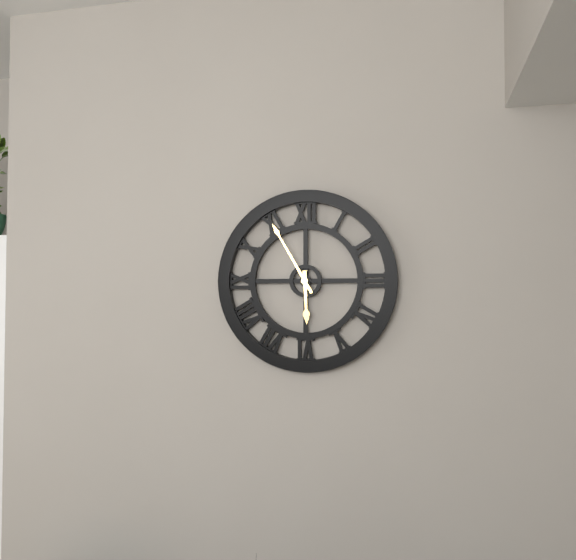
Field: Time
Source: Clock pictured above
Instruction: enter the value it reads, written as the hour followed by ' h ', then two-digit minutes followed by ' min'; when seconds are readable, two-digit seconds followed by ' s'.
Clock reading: 5 h 55 min
